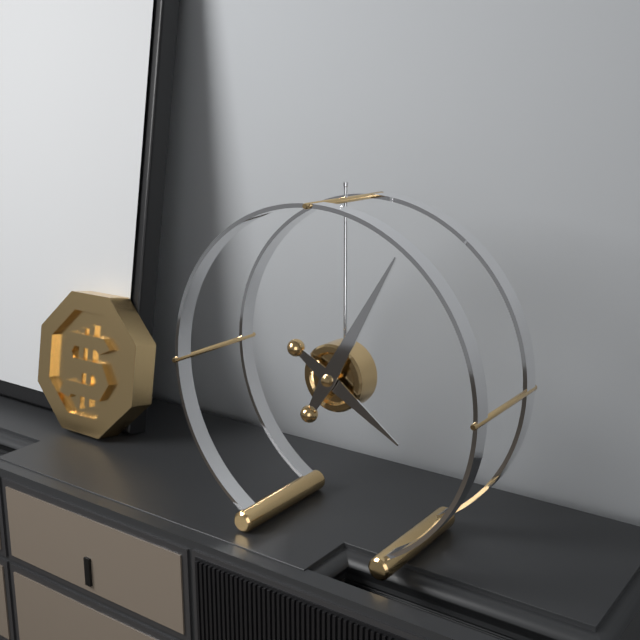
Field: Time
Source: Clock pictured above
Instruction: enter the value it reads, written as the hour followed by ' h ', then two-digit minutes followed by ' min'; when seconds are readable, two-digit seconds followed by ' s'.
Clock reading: 4 h 05 min
